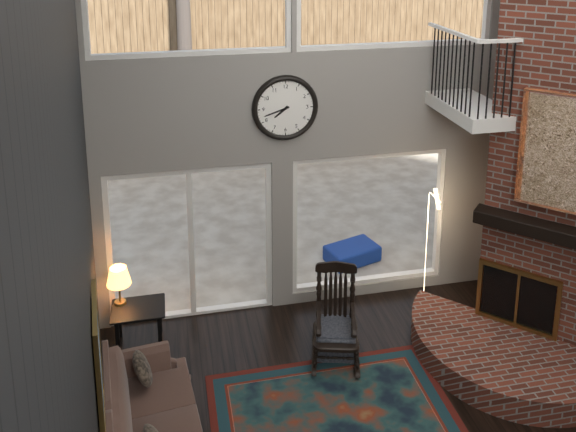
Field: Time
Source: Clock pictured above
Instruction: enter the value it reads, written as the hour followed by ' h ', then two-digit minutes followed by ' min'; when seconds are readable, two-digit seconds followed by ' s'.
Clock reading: 7 h 42 min
